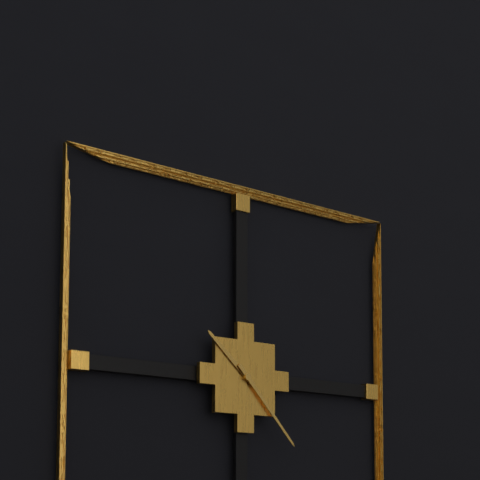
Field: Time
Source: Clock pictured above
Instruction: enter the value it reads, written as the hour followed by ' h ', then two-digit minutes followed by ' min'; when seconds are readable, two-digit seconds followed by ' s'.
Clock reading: 10 h 23 min
